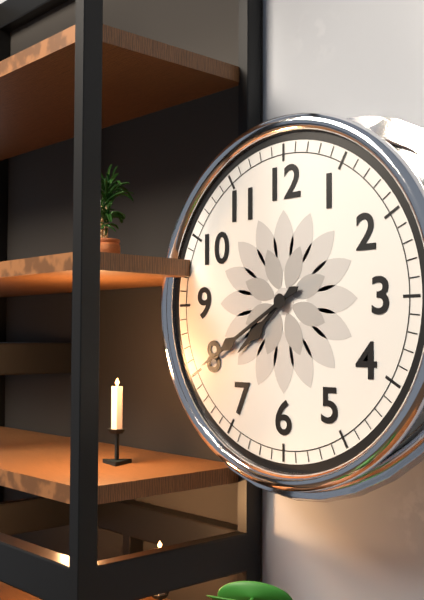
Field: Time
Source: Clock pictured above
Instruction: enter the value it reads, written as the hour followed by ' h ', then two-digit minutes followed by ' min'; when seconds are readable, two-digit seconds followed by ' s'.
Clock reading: 7 h 40 min
